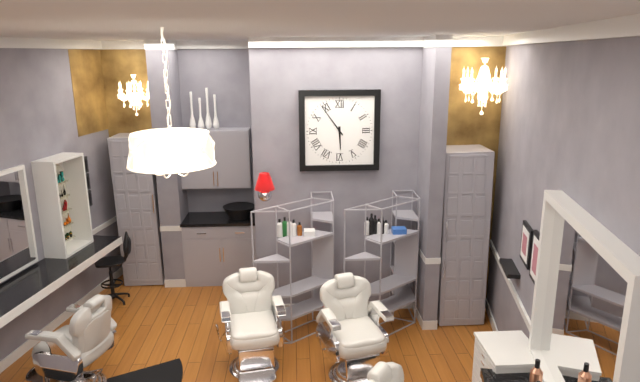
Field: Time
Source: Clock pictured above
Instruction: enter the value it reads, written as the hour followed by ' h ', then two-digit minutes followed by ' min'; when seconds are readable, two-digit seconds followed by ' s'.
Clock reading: 5 h 54 min
